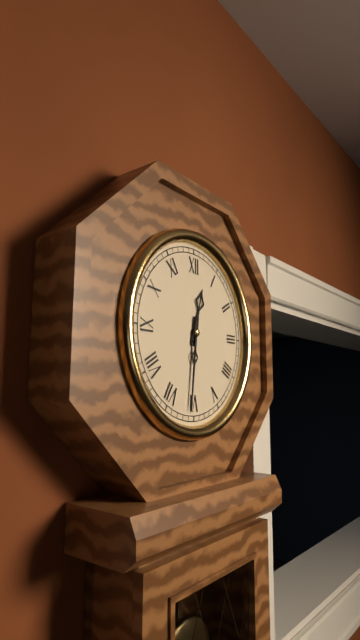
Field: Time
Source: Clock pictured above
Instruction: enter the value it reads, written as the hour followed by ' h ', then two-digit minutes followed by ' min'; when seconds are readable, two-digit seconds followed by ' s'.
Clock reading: 12 h 31 min
